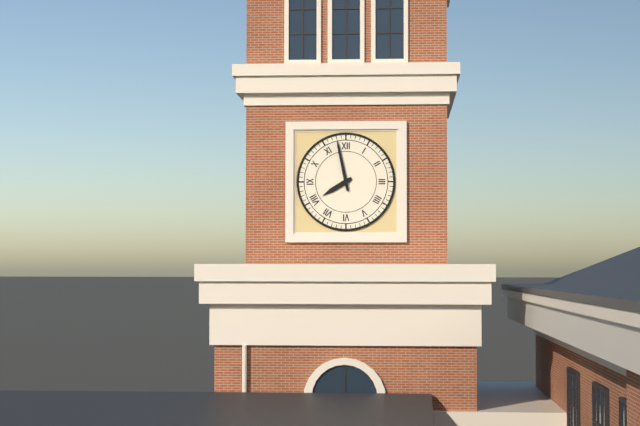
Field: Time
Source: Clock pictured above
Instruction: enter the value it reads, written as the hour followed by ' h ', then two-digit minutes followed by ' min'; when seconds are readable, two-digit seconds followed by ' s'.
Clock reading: 7 h 58 min
